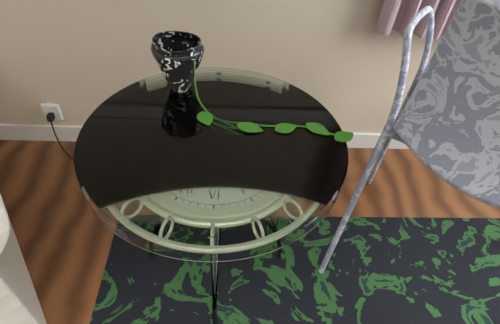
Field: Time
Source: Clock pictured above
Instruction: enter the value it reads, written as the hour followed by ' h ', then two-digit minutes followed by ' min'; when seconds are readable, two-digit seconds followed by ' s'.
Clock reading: 12 h 04 min
